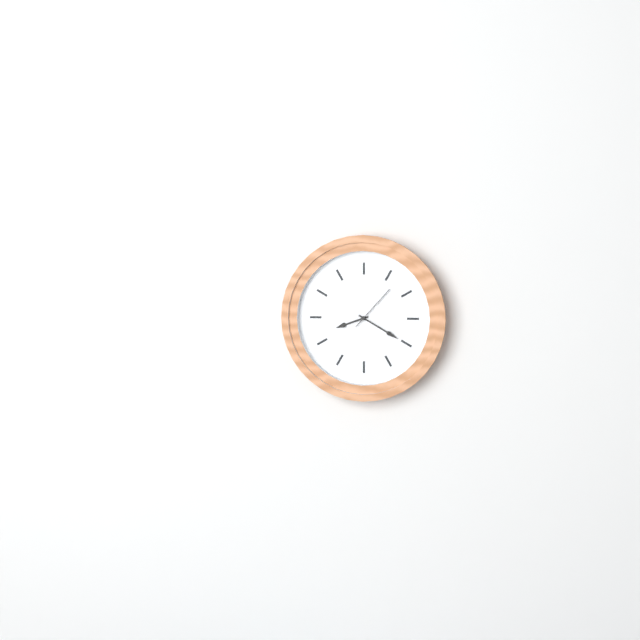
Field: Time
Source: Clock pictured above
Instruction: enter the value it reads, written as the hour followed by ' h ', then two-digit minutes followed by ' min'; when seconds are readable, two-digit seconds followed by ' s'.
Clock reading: 8 h 20 min
